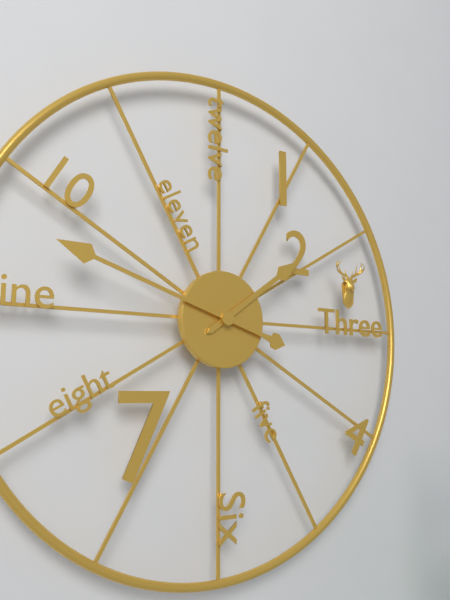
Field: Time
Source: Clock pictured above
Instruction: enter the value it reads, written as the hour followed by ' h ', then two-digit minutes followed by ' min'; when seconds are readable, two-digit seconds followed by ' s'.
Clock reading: 1 h 48 min
